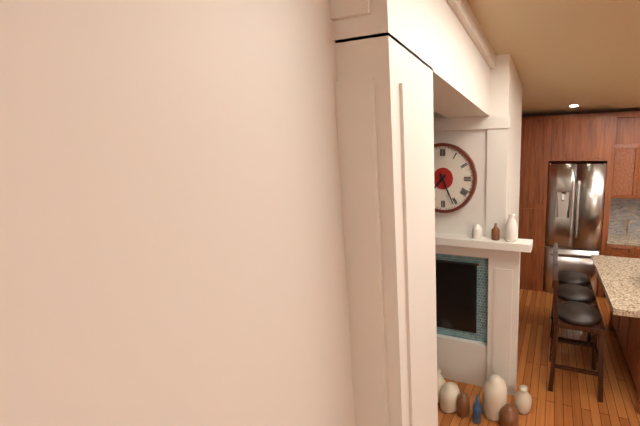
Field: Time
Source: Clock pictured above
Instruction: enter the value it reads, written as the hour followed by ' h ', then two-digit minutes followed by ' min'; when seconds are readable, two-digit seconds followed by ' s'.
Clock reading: 7 h 26 min
